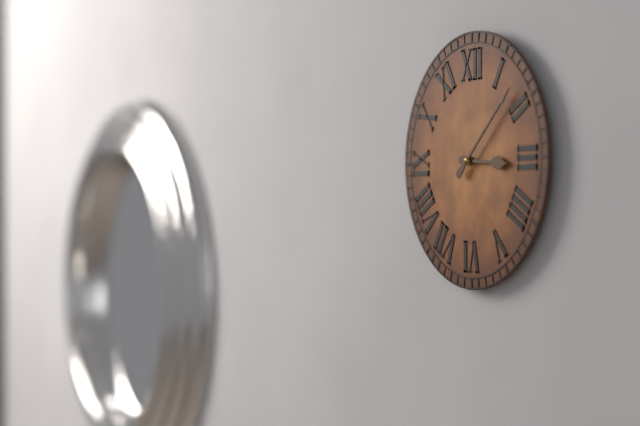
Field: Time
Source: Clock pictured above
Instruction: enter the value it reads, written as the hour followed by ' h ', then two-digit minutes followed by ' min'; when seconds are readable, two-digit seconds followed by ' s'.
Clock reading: 3 h 08 min
